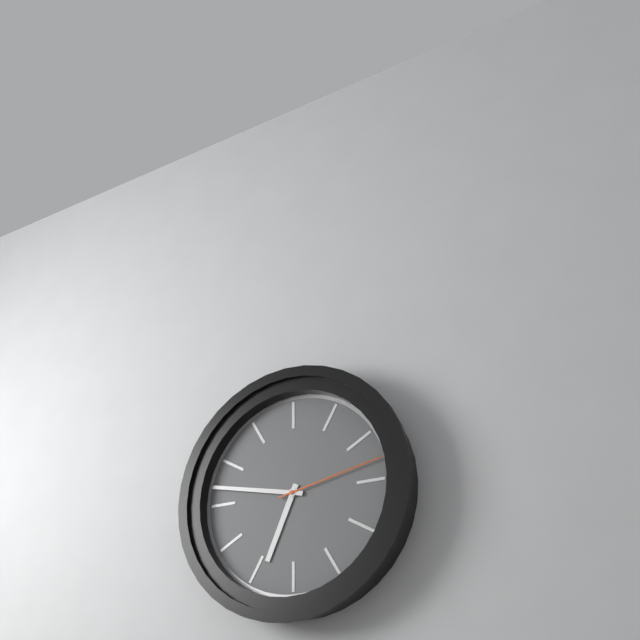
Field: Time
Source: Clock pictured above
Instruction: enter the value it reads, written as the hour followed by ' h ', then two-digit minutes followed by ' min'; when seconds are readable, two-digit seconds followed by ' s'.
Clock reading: 6 h 47 min 13 s
